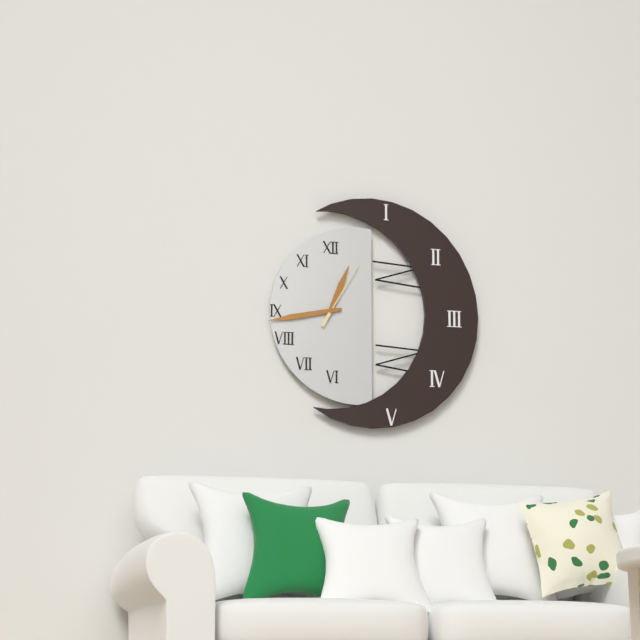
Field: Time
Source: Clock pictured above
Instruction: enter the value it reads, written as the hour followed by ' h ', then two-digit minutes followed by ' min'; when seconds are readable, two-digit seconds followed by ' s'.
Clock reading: 12 h 43 min 05 s
